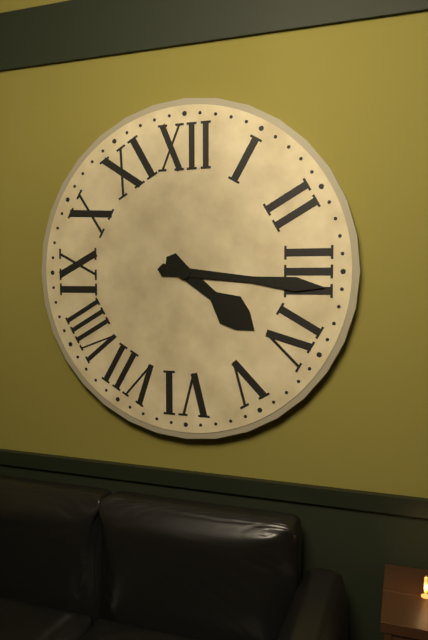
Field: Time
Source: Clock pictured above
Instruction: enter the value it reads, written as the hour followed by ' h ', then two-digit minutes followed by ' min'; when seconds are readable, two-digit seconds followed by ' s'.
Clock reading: 4 h 16 min
